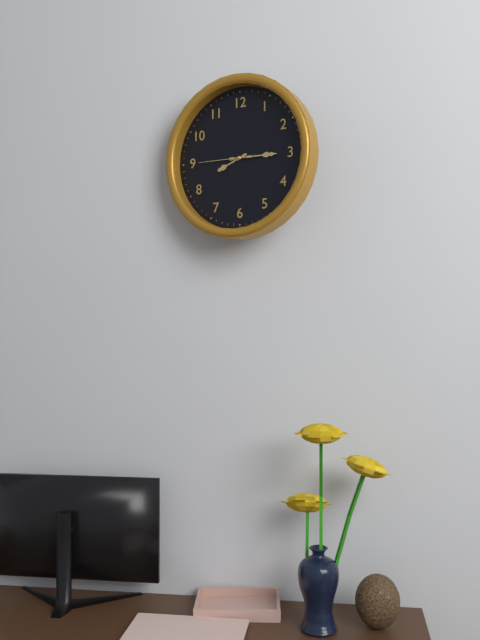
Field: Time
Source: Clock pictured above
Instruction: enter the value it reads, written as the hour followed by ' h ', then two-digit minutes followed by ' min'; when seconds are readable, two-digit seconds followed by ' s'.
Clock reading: 8 h 15 min 45 s
